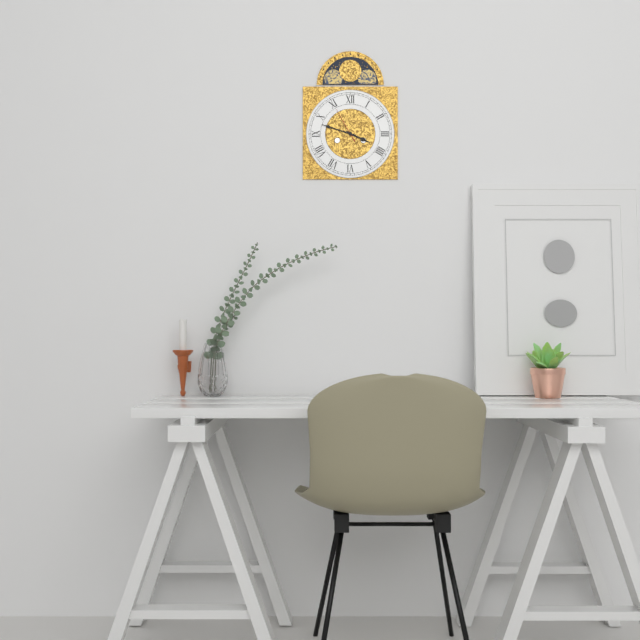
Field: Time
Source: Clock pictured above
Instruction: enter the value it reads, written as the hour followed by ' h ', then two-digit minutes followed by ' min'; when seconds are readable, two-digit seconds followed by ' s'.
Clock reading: 3 h 48 min
